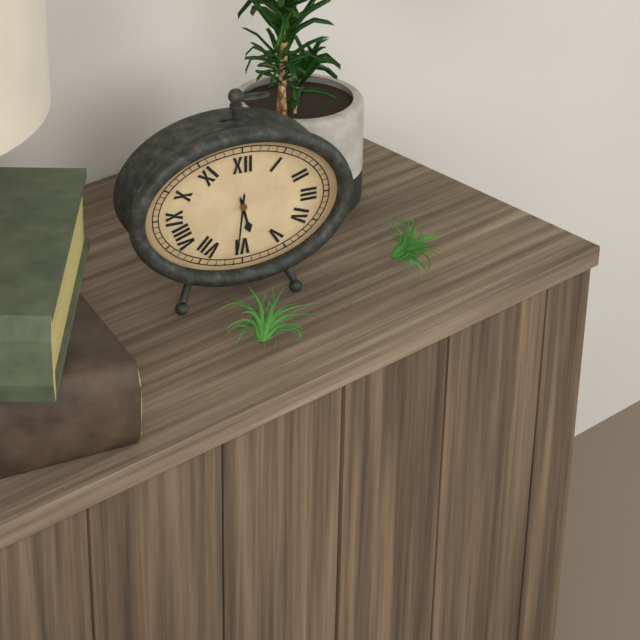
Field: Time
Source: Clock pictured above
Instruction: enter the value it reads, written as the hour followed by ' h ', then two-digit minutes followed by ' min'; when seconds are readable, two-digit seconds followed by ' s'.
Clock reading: 5 h 31 min
